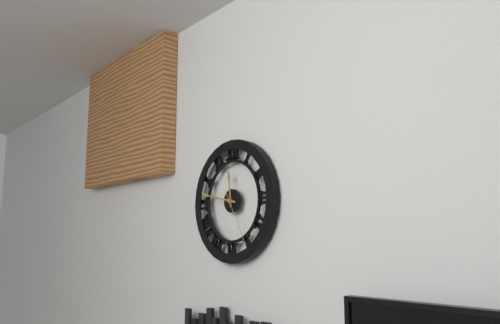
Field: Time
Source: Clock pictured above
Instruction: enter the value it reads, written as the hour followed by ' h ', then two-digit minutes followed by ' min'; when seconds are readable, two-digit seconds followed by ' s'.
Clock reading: 11 h 47 min 25 s
